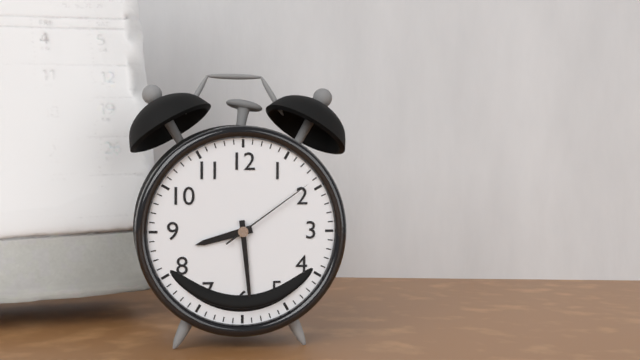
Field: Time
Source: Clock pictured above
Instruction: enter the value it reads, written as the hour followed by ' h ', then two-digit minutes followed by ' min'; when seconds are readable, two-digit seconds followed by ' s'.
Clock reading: 8 h 29 min 09 s
